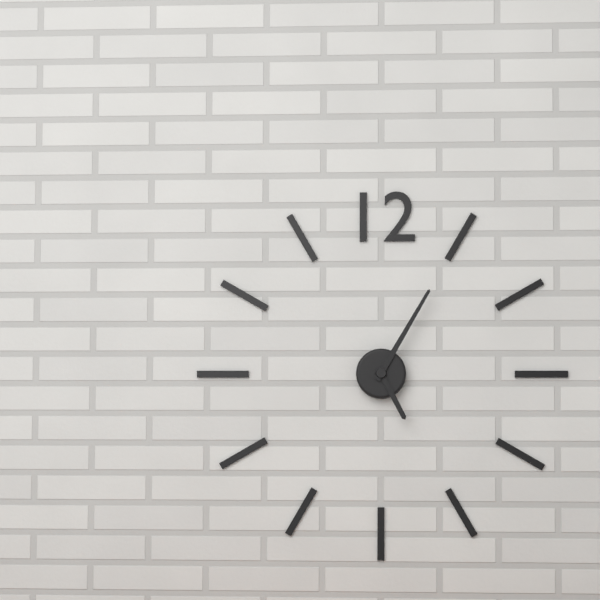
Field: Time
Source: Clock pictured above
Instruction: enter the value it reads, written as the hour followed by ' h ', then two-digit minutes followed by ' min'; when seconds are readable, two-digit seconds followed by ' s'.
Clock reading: 5 h 05 min
